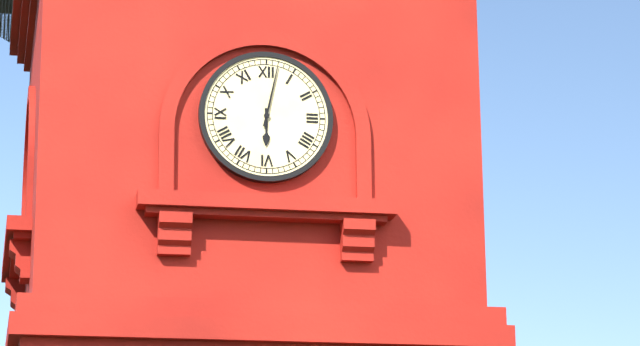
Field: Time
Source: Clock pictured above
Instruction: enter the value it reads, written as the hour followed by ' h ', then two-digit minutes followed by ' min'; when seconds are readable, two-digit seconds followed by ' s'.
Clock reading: 6 h 02 min
